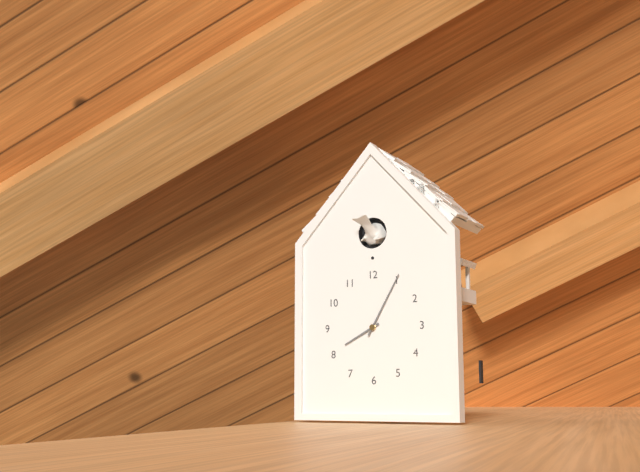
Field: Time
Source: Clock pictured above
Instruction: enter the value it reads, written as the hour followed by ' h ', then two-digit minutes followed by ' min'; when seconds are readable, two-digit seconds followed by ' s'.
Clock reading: 8 h 05 min
